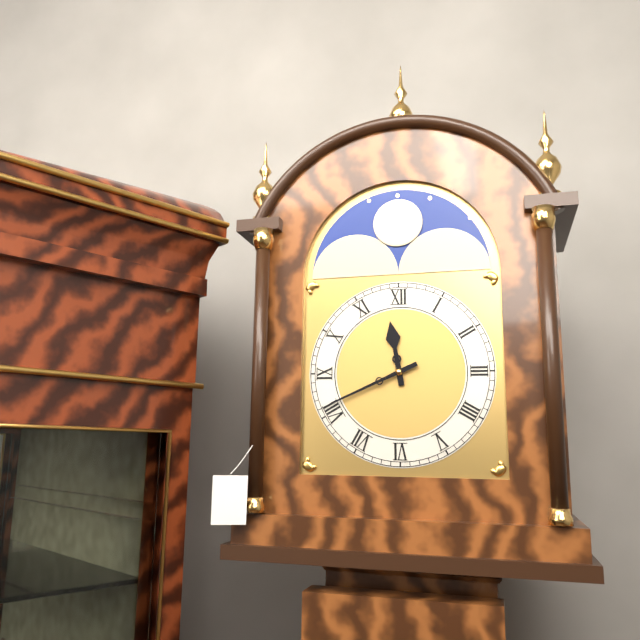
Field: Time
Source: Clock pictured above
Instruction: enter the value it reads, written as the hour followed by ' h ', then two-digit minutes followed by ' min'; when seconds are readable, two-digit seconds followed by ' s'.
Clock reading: 11 h 41 min
